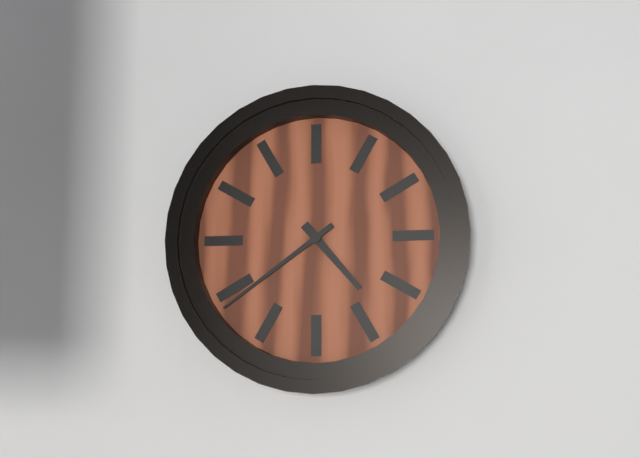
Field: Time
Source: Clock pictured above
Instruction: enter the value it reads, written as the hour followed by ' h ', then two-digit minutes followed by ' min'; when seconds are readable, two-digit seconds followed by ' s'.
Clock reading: 4 h 39 min
